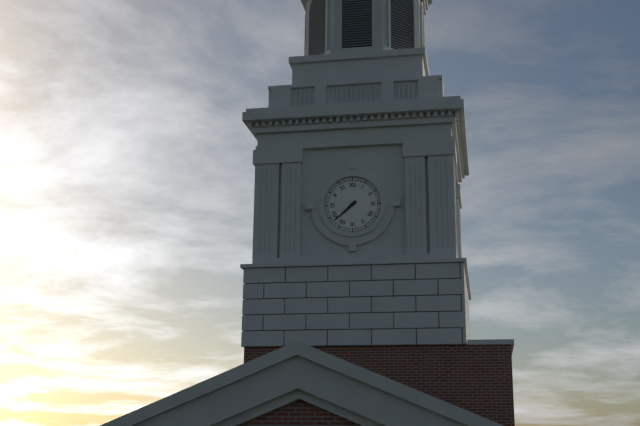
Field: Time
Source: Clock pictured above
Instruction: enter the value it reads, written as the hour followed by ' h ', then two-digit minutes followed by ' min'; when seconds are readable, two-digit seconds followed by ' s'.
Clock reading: 7 h 38 min
